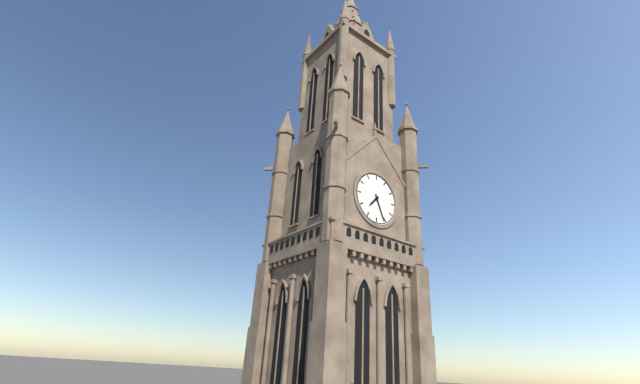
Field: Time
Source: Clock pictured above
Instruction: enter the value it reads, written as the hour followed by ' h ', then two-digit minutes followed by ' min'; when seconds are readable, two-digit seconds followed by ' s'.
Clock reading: 7 h 26 min
